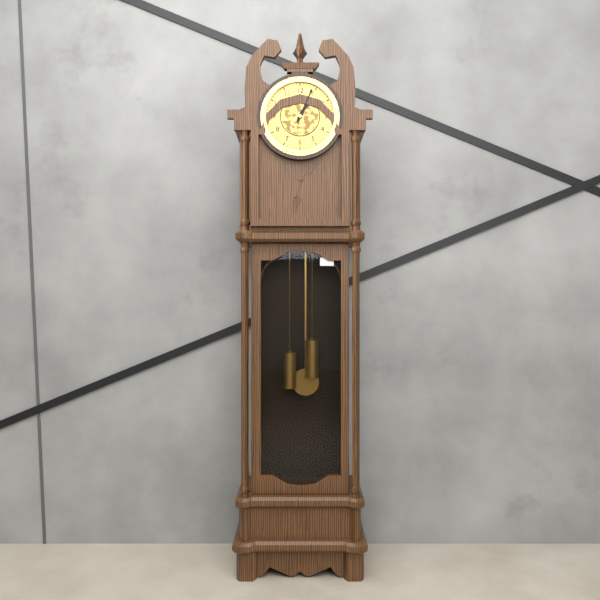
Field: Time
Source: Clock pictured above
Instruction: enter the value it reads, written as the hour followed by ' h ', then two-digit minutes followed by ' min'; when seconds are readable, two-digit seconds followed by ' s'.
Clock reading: 1 h 04 min
